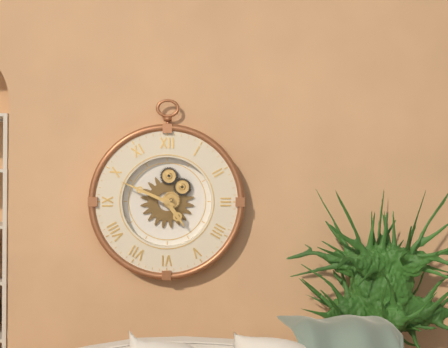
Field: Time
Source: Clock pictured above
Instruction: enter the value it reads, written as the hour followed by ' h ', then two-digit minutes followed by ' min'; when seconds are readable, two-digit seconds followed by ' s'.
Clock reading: 4 h 49 min
